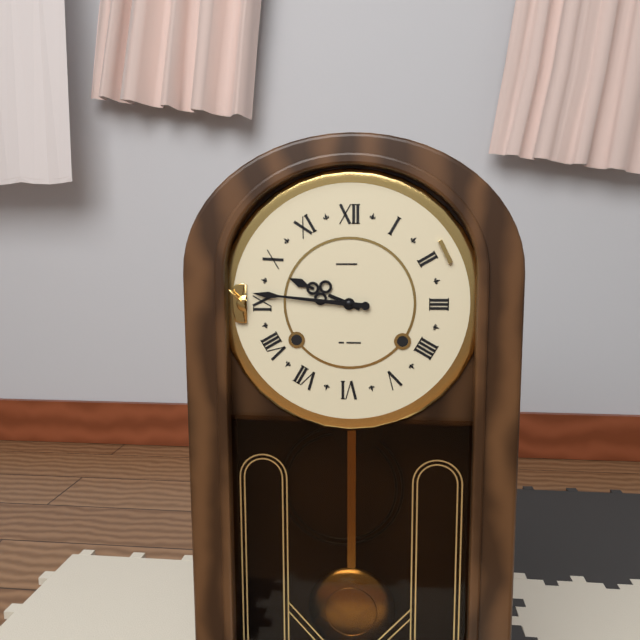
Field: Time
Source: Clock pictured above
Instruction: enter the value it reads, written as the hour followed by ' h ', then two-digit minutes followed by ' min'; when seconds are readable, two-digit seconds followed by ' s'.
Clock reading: 9 h 46 min
